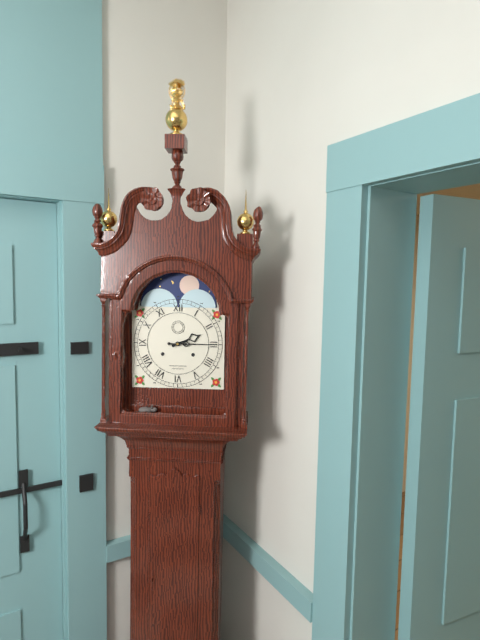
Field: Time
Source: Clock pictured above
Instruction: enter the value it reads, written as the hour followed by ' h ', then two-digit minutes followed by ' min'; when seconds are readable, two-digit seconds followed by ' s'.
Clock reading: 2 h 15 min
